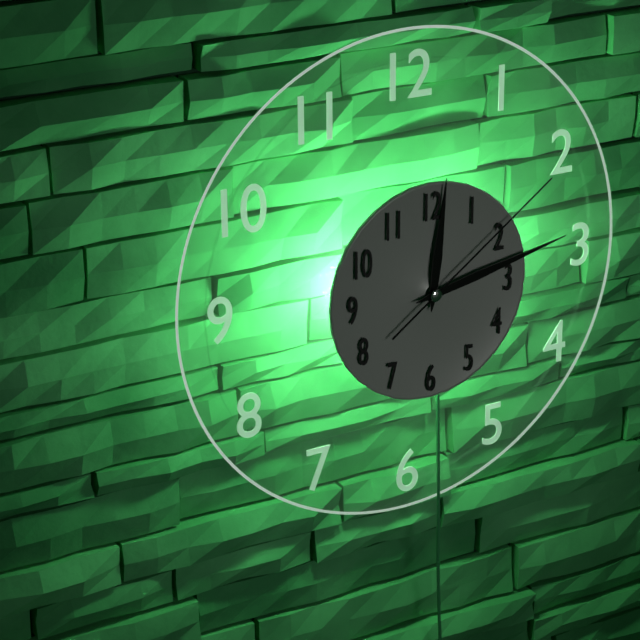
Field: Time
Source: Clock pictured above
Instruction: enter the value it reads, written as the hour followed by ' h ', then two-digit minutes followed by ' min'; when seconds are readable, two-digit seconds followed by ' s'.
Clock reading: 12 h 13 min 09 s
